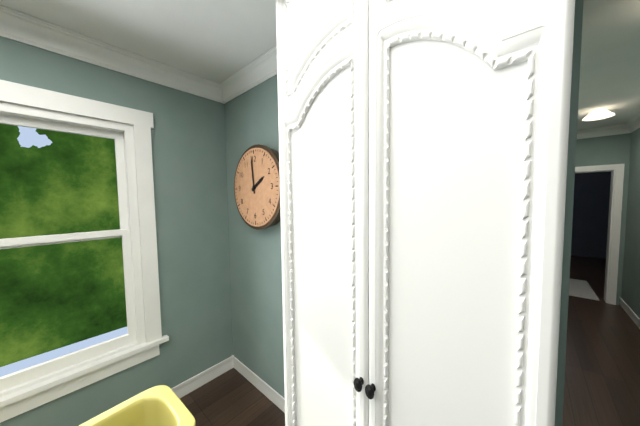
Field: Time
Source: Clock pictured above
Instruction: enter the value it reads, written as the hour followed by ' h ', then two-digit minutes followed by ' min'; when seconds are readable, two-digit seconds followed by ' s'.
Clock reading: 1 h 59 min
